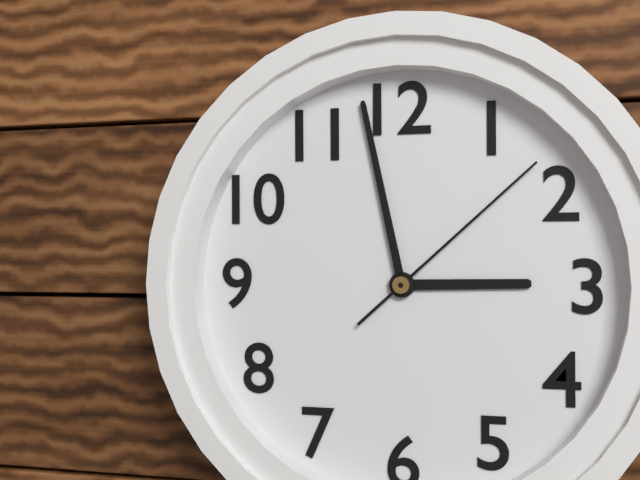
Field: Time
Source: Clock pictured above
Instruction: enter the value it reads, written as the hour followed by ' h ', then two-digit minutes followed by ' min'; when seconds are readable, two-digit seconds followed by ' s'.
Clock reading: 2 h 58 min 08 s
